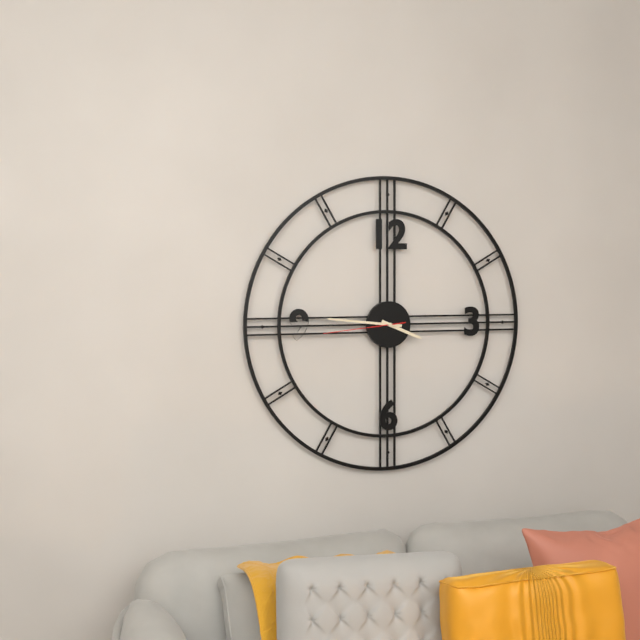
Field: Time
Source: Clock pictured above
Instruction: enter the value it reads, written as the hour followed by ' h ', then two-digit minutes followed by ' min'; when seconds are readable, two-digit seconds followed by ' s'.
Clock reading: 3 h 46 min 44 s
